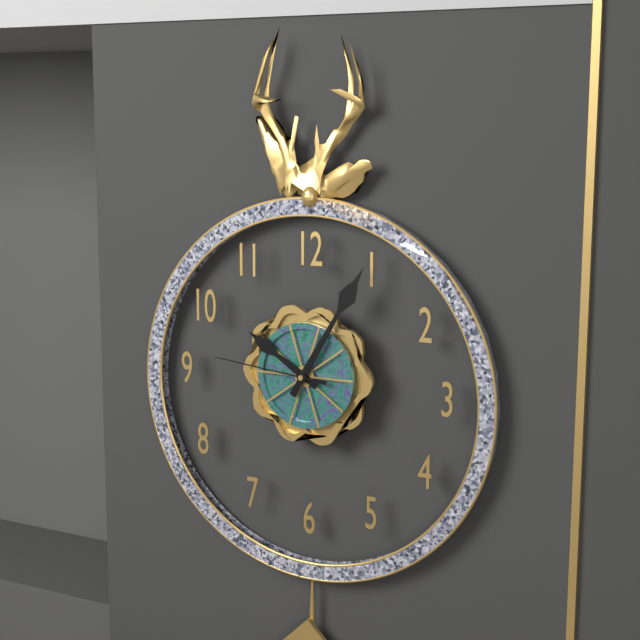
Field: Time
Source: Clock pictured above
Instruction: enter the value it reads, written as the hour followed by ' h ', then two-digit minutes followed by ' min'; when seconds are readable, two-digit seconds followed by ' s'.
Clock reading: 10 h 05 min 46 s
